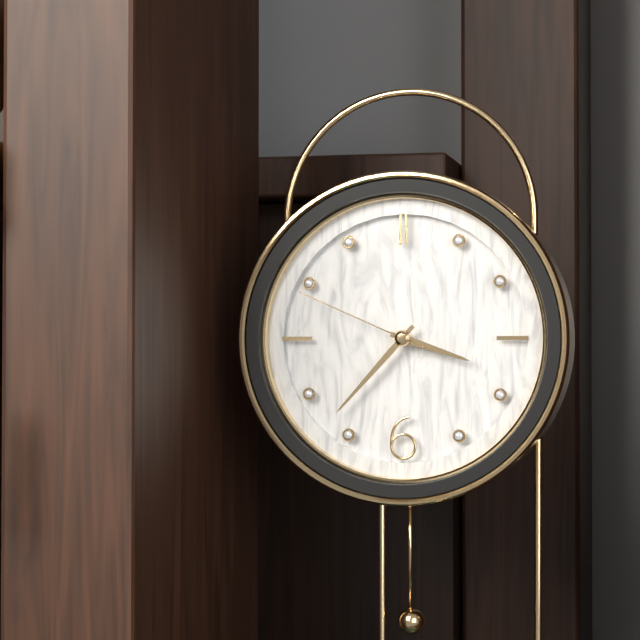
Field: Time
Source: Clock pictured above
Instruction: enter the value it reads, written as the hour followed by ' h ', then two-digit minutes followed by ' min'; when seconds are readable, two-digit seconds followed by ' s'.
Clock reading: 3 h 37 min 49 s
